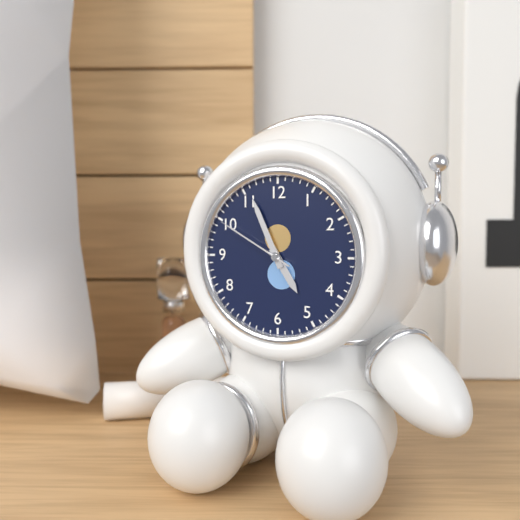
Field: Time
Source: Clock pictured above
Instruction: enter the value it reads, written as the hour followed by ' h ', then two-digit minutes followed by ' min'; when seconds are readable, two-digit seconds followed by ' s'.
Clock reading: 4 h 56 min 50 s
